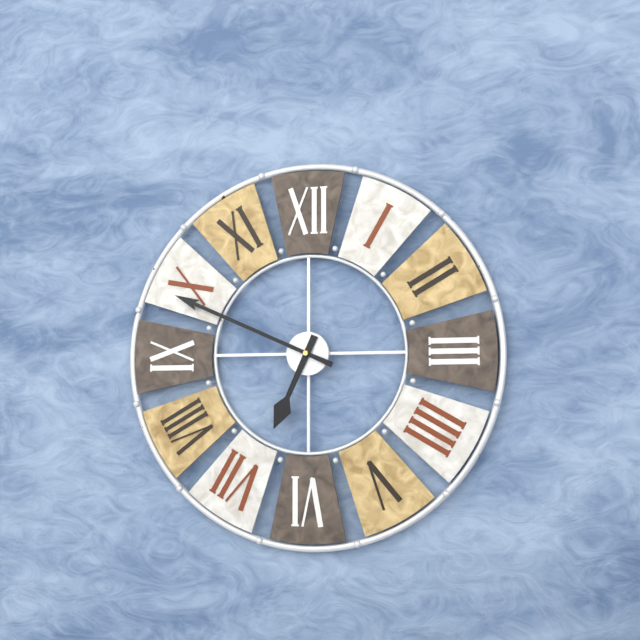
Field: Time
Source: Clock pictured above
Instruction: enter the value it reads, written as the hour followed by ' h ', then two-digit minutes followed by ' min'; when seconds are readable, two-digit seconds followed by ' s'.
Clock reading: 6 h 49 min
